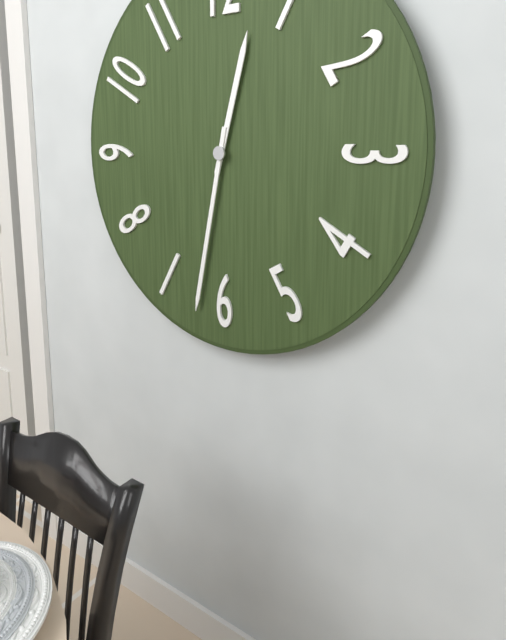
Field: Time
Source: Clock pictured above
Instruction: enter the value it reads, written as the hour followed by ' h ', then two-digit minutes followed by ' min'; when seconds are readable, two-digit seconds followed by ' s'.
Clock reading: 12 h 32 min
